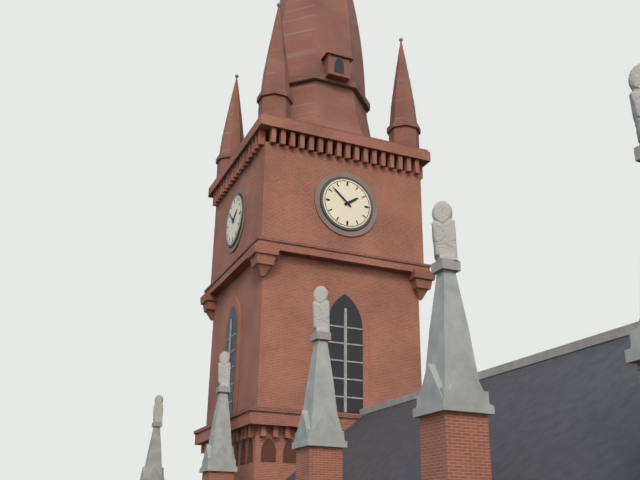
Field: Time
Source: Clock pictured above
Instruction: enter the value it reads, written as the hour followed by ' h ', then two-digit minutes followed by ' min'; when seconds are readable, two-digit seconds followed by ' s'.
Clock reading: 1 h 52 min
